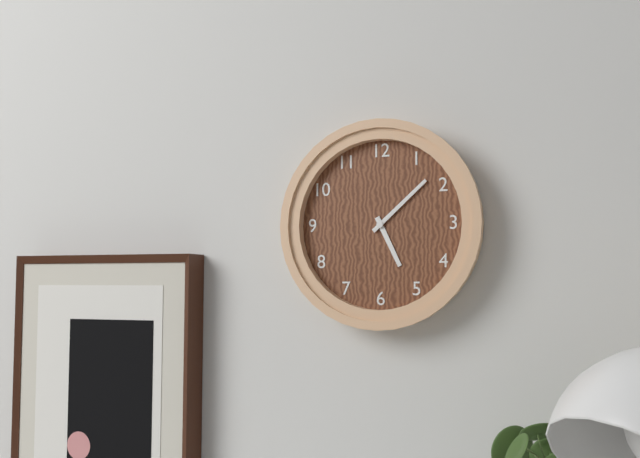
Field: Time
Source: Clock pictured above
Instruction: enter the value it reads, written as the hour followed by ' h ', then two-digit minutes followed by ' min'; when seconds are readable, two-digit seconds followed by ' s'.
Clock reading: 5 h 08 min
